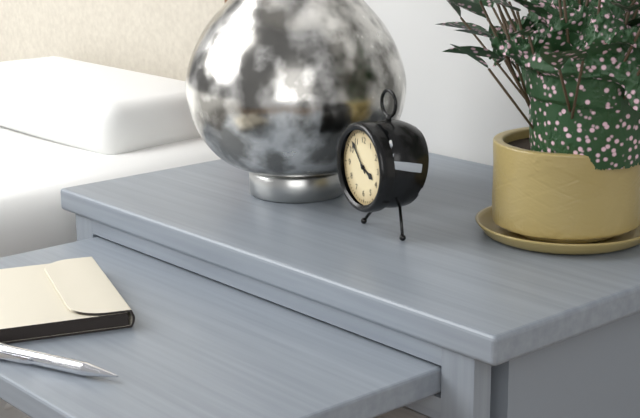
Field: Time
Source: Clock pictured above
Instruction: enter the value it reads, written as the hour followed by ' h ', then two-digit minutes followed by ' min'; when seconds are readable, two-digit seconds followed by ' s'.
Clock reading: 3 h 53 min
